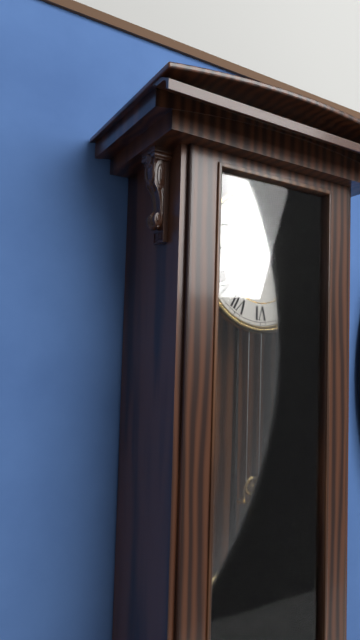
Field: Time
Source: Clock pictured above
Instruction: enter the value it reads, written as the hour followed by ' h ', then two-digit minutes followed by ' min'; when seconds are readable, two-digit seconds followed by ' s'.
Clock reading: 3 h 10 min
